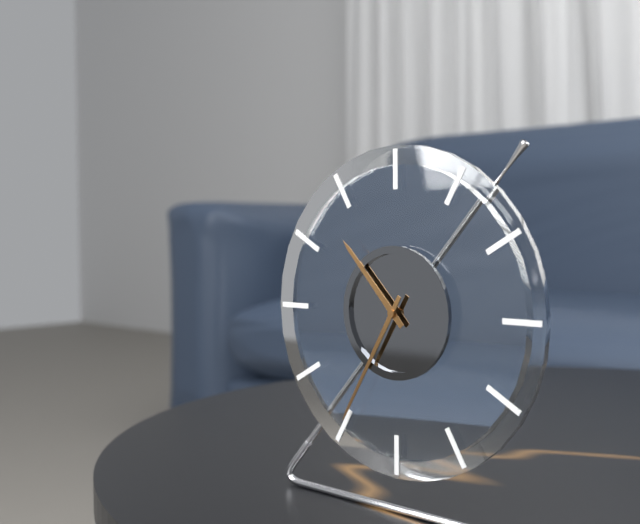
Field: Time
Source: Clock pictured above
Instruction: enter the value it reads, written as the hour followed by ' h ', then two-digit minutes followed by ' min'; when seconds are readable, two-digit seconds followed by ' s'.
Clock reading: 10 h 35 min
